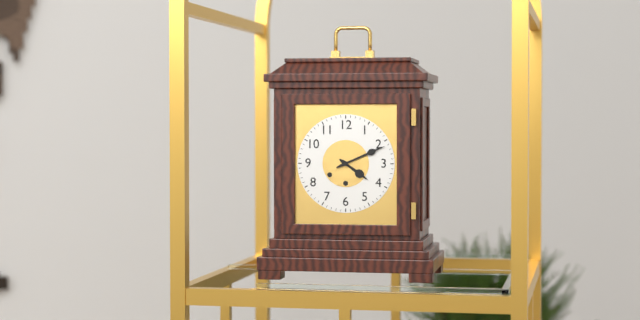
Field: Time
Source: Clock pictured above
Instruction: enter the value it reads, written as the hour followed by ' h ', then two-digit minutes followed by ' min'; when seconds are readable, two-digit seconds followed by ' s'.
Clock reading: 4 h 11 min
